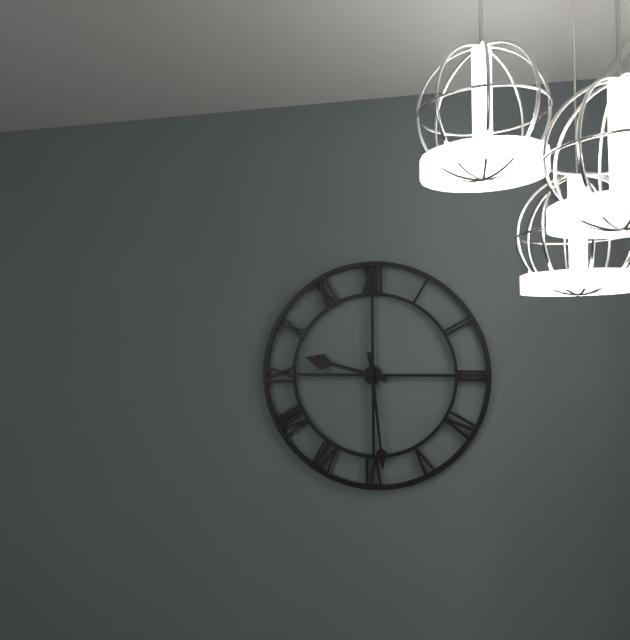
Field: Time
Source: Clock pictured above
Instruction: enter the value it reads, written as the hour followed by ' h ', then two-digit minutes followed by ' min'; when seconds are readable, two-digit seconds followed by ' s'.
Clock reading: 9 h 29 min
